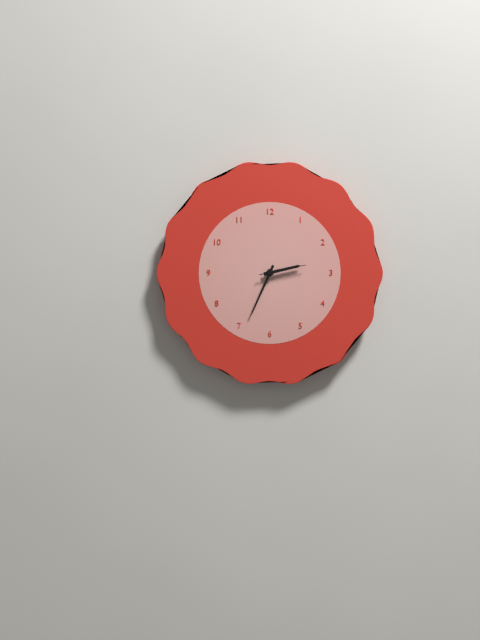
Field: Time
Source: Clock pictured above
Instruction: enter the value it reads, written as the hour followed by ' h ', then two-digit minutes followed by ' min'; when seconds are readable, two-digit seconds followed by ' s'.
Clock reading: 2 h 34 min
